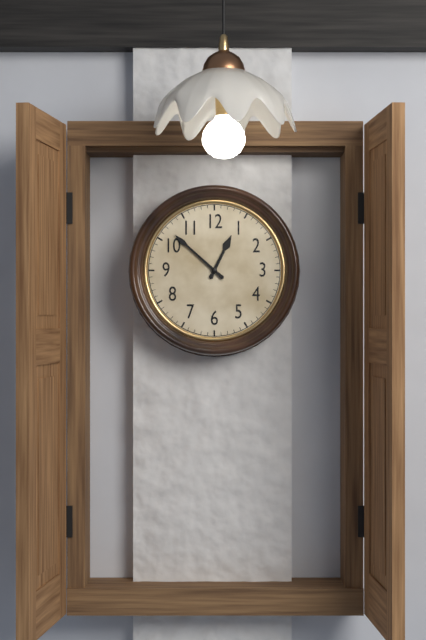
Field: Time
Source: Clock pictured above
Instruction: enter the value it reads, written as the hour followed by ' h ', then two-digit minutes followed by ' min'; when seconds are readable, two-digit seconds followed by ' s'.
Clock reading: 12 h 52 min
